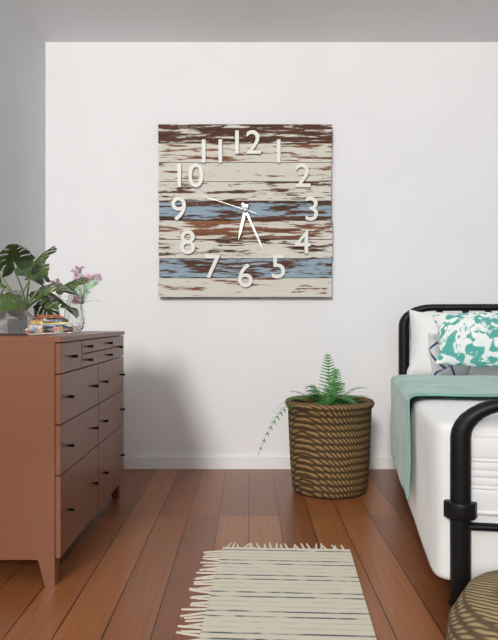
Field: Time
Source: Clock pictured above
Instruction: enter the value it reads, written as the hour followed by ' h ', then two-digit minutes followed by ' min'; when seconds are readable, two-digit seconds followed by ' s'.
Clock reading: 6 h 26 min 48 s
